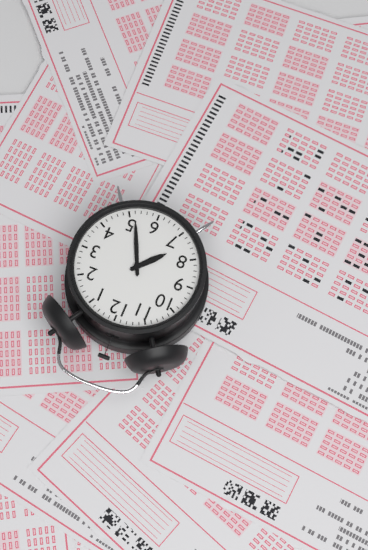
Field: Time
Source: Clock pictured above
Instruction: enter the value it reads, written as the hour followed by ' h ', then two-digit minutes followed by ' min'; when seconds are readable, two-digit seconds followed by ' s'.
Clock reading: 7 h 26 min
